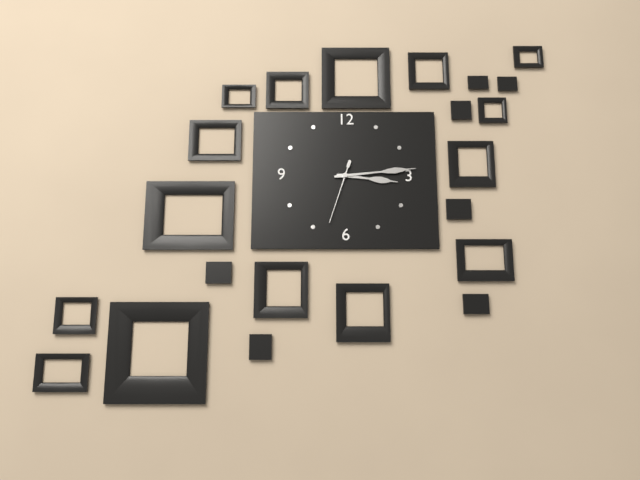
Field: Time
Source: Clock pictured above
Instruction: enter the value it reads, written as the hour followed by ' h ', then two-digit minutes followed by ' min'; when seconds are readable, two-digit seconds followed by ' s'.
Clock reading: 3 h 14 min 33 s
